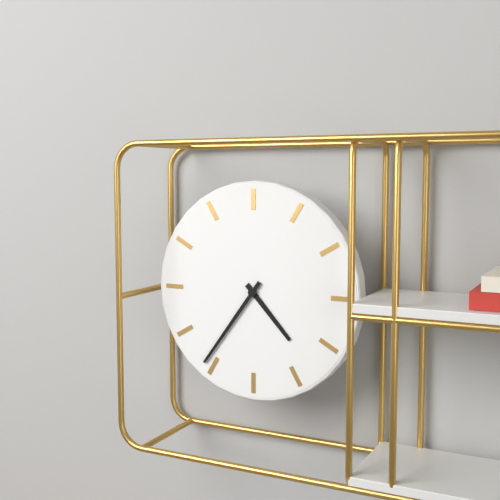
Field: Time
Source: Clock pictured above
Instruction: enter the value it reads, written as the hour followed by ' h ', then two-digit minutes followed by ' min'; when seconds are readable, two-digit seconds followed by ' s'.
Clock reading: 4 h 36 min
